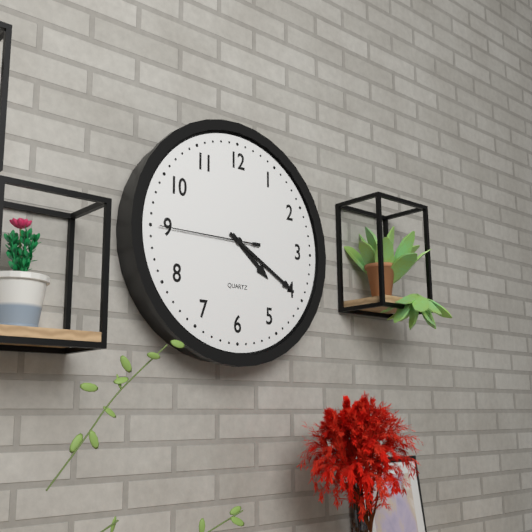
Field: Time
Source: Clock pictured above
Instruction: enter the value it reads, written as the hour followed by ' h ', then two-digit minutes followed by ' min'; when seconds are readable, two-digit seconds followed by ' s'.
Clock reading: 4 h 20 min 45 s
